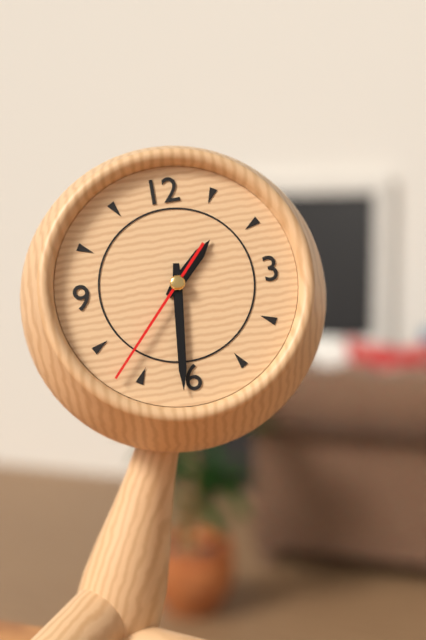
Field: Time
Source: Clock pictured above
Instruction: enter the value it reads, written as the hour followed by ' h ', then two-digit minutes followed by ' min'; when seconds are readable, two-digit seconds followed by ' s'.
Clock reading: 1 h 31 min 37 s
